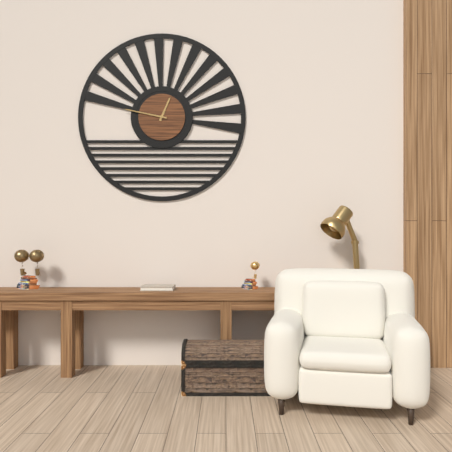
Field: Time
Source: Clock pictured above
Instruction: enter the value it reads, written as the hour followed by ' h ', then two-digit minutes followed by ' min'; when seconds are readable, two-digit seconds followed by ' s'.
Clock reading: 12 h 47 min
